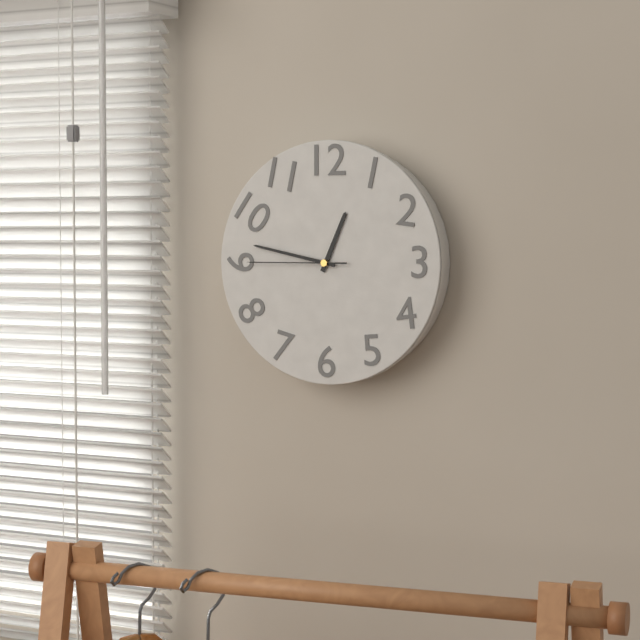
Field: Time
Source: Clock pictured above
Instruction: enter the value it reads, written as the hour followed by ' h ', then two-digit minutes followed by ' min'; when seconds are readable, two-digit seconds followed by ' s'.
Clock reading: 12 h 47 min 45 s
